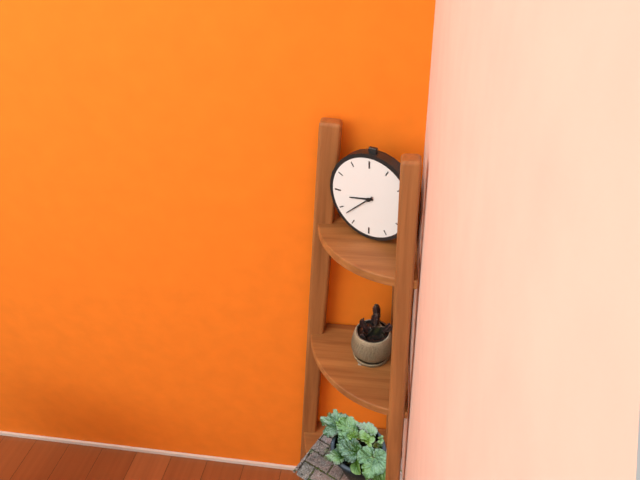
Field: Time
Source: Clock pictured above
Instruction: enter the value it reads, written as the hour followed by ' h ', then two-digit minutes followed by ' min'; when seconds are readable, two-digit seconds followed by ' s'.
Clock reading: 8 h 38 min
